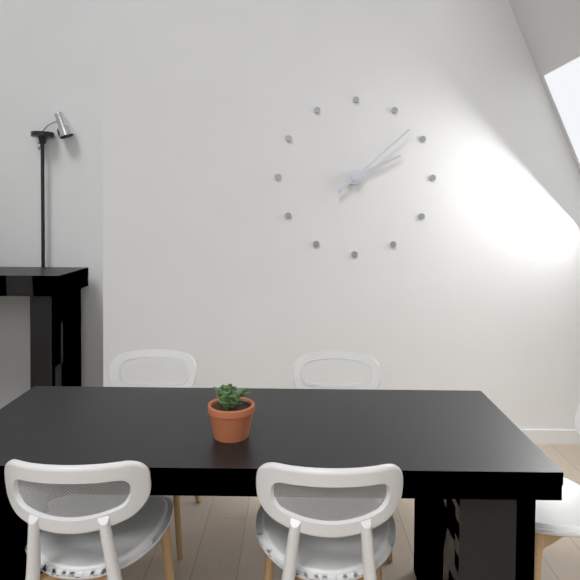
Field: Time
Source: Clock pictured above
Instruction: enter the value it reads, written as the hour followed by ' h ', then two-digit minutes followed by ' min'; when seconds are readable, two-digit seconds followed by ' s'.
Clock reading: 2 h 08 min
